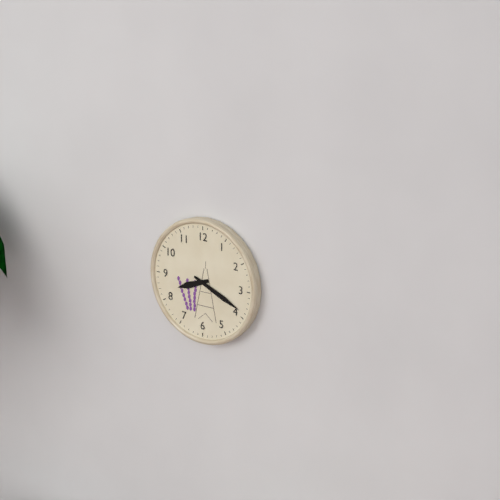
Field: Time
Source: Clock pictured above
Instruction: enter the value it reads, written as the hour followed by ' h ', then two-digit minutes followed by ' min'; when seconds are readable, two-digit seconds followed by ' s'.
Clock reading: 8 h 19 min
